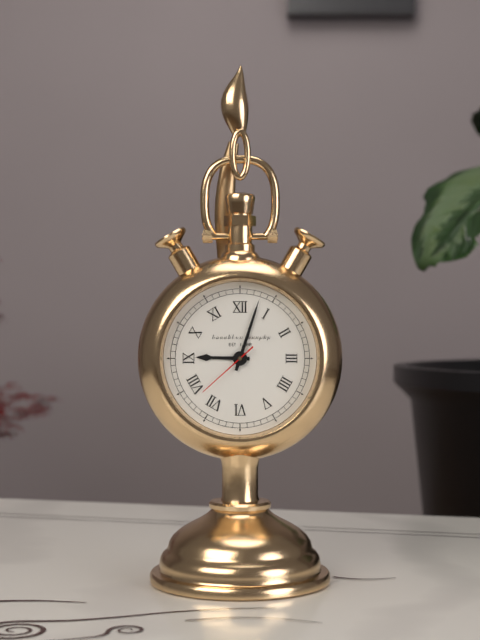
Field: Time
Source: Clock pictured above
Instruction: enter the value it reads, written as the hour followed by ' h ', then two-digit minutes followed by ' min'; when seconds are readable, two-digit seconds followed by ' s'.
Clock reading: 9 h 03 min 38 s
